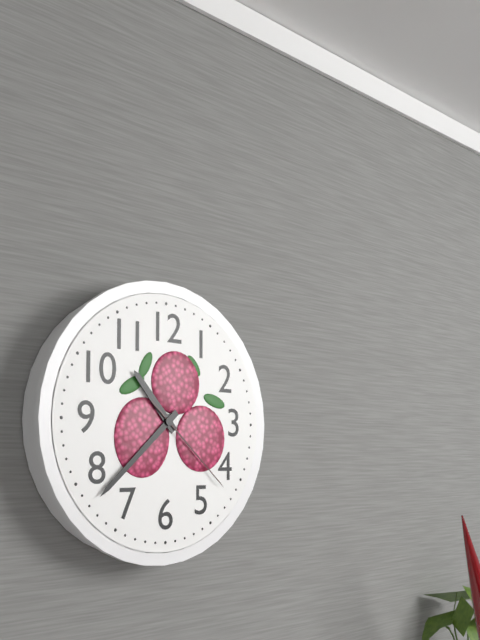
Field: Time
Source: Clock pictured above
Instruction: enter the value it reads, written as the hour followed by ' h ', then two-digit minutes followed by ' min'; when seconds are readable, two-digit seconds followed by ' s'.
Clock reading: 10 h 38 min 22 s
